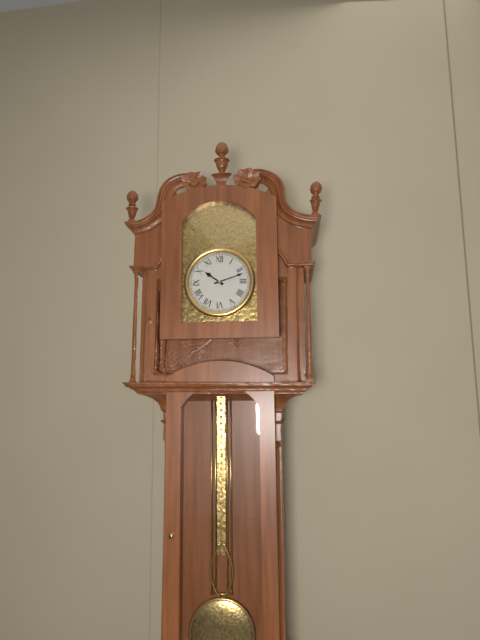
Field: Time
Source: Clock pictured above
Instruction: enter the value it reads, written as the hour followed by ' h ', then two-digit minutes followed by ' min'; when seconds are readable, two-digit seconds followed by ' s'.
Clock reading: 10 h 12 min
